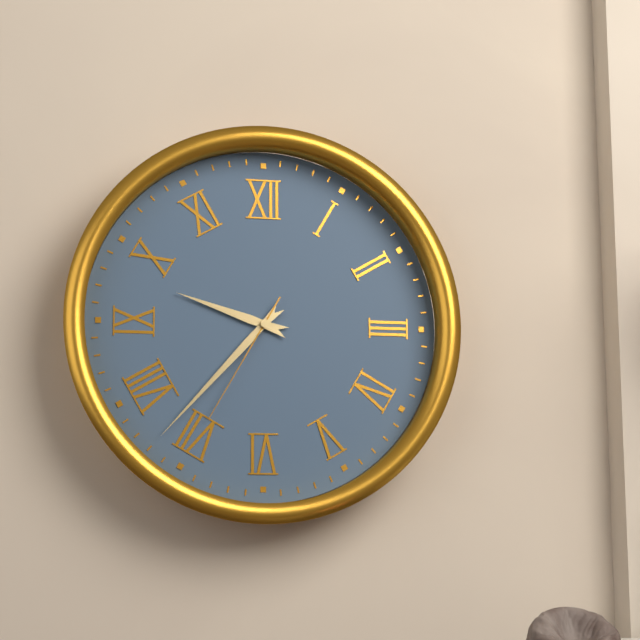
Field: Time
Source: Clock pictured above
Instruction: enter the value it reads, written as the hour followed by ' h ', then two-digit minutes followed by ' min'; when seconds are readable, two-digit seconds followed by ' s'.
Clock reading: 9 h 37 min 35 s
